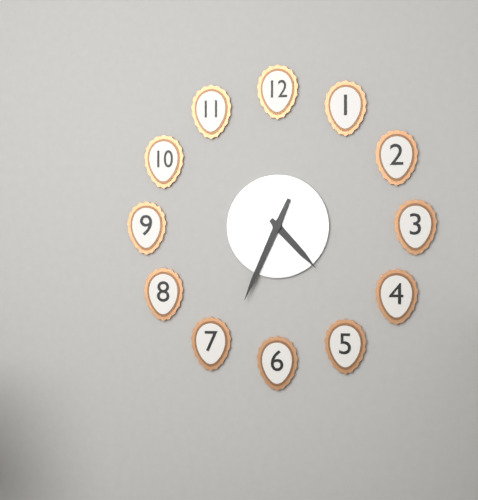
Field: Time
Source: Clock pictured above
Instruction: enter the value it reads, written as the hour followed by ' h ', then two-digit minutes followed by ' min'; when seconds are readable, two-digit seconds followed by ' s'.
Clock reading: 4 h 34 min
